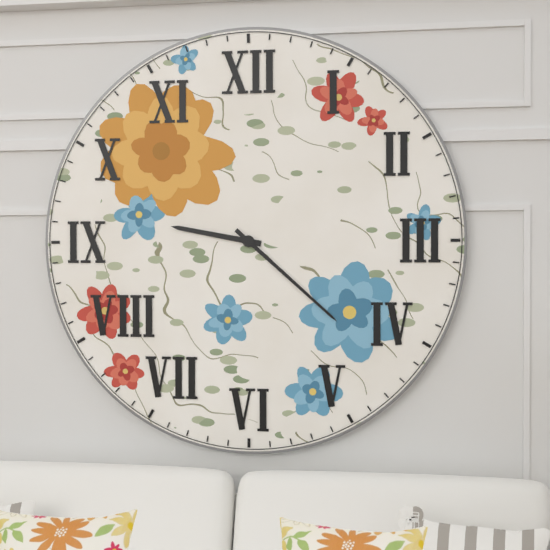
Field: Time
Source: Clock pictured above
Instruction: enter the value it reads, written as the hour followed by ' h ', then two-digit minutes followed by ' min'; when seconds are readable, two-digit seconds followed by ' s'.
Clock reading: 9 h 22 min
